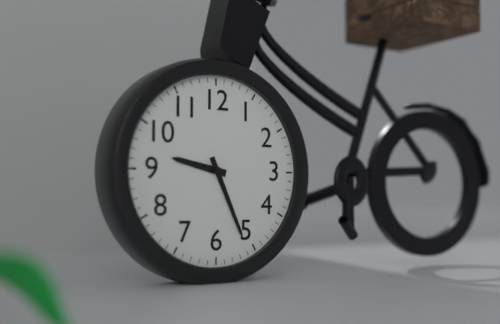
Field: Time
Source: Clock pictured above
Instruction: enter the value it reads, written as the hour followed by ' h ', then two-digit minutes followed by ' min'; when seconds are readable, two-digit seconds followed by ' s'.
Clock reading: 9 h 26 min
